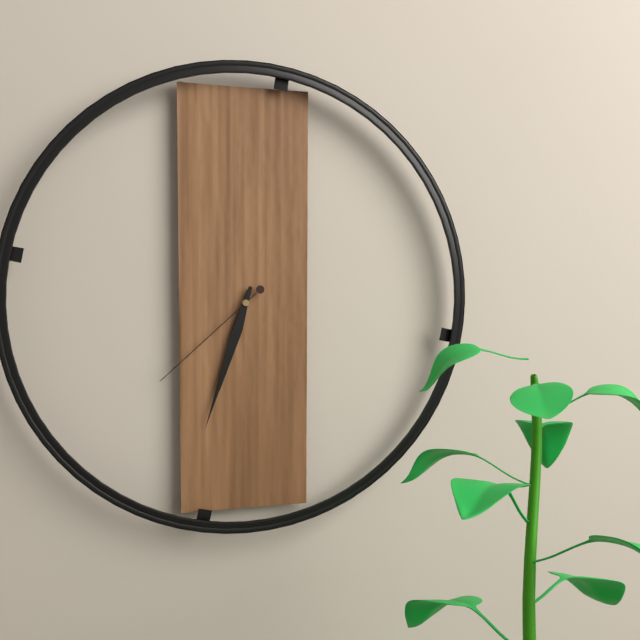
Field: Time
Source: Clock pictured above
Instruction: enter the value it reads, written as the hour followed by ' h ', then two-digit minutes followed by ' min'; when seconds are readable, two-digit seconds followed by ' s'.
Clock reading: 6 h 33 min 38 s
